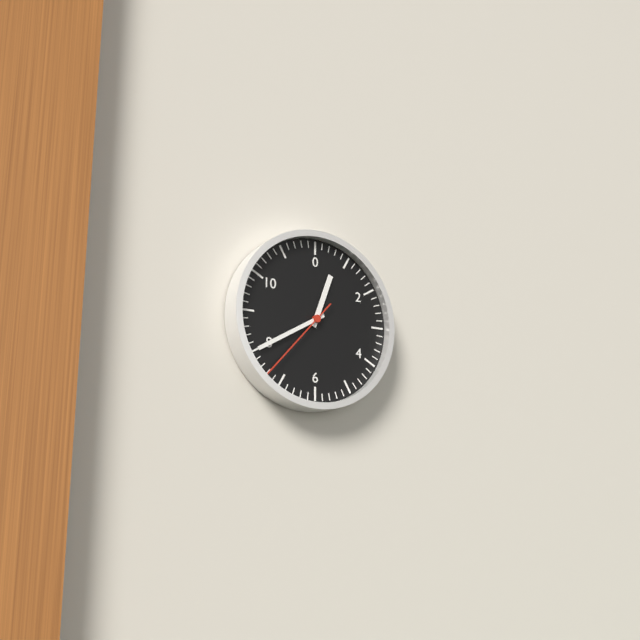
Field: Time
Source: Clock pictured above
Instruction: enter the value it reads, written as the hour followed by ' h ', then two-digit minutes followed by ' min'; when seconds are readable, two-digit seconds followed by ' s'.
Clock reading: 12 h 40 min 37 s
